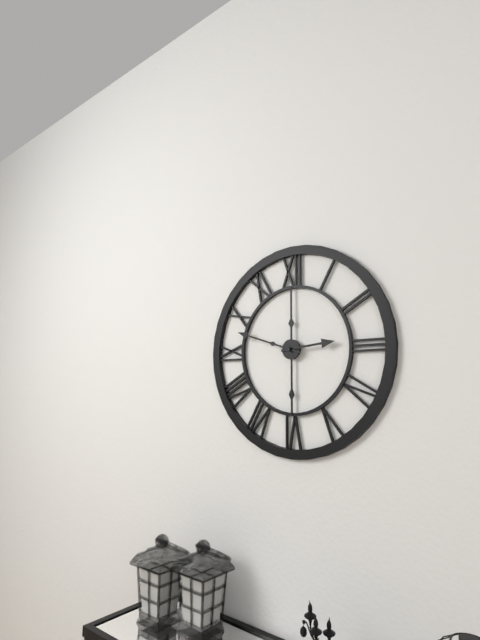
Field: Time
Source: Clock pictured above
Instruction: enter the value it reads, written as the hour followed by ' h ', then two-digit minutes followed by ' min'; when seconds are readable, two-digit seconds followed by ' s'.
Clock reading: 2 h 48 min
